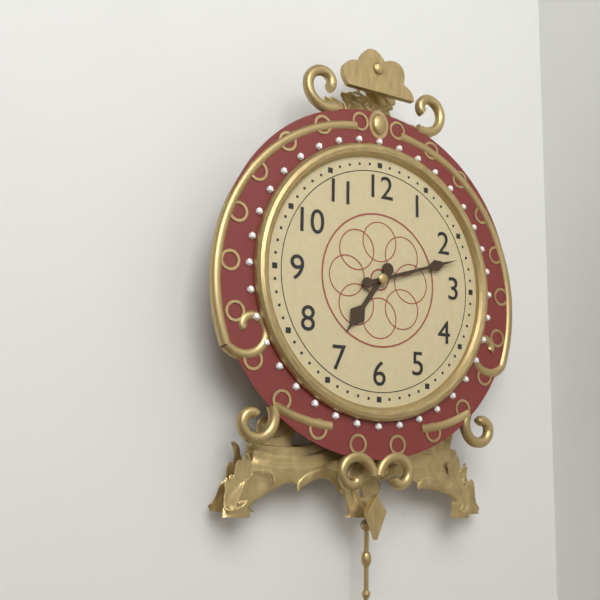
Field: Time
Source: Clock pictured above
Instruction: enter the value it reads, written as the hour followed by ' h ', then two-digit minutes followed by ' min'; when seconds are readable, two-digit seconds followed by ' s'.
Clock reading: 7 h 12 min
